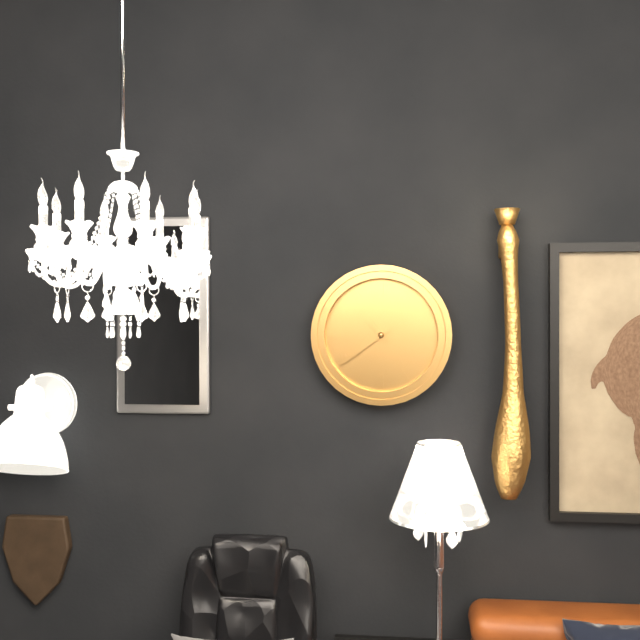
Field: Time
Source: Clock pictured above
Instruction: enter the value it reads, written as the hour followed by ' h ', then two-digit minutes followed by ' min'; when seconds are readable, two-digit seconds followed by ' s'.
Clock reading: 10 h 39 min
